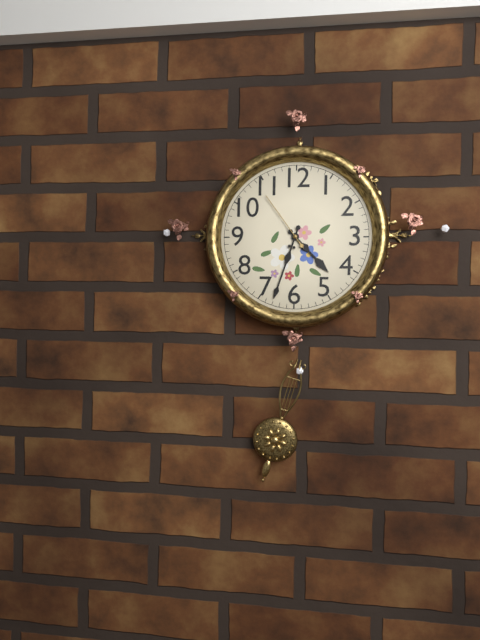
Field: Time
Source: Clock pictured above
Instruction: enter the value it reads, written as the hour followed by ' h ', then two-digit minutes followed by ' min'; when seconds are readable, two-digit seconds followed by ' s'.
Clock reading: 4 h 33 min 54 s
